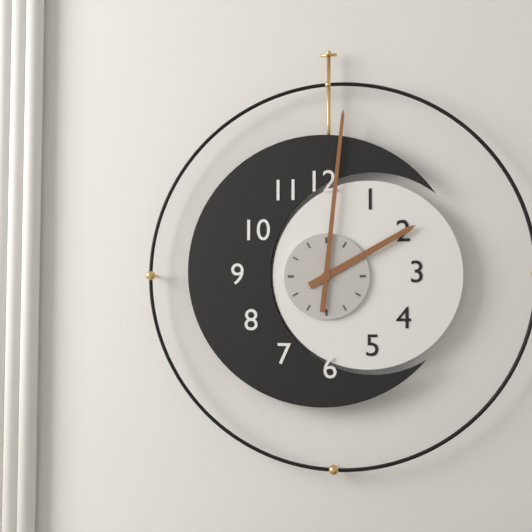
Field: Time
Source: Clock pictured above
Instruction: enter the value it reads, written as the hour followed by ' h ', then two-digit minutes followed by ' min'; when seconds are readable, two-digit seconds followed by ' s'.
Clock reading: 2 h 01 min
